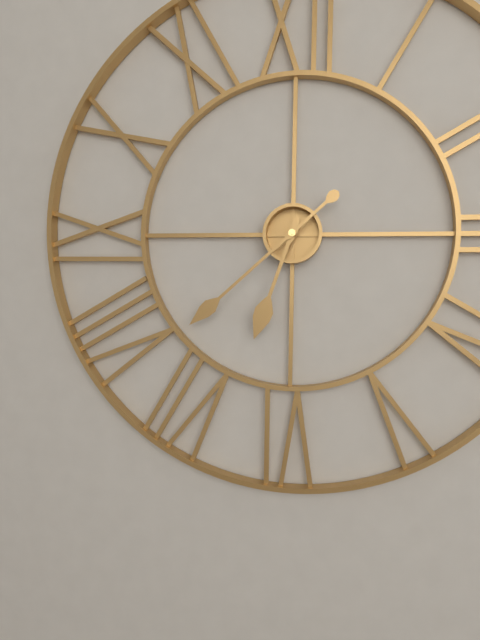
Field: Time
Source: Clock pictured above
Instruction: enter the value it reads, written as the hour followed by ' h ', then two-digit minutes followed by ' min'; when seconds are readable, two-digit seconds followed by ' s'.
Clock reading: 6 h 38 min
